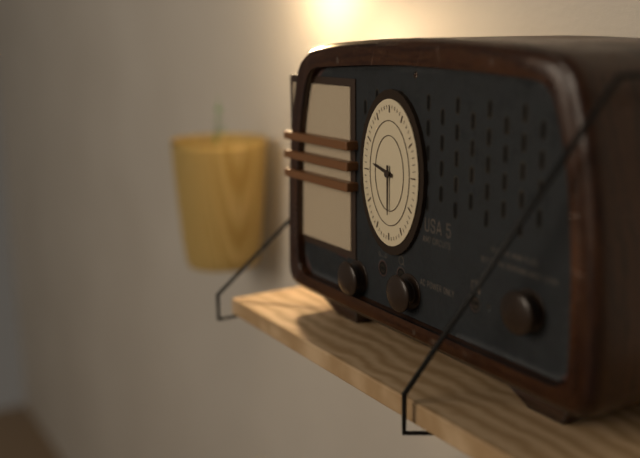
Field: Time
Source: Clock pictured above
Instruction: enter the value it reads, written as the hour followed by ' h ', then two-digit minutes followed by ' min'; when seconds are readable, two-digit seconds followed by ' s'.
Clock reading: 9 h 30 min
